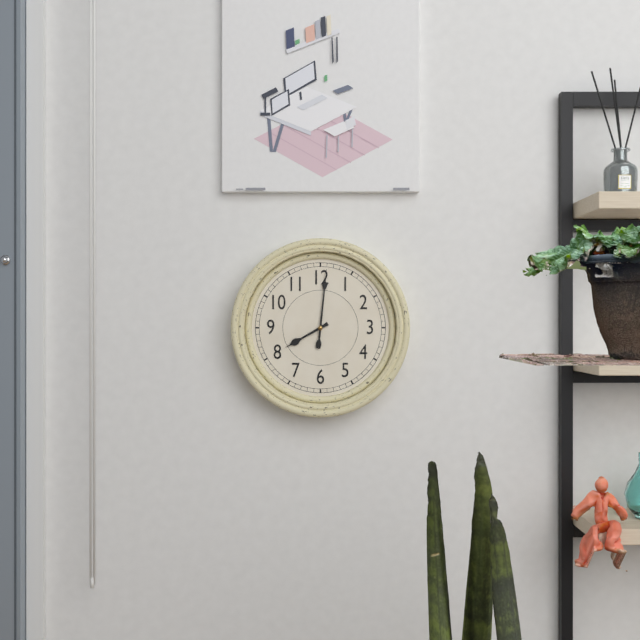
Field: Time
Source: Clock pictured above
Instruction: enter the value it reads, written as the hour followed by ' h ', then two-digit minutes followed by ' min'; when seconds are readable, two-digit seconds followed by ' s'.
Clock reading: 8 h 01 min
